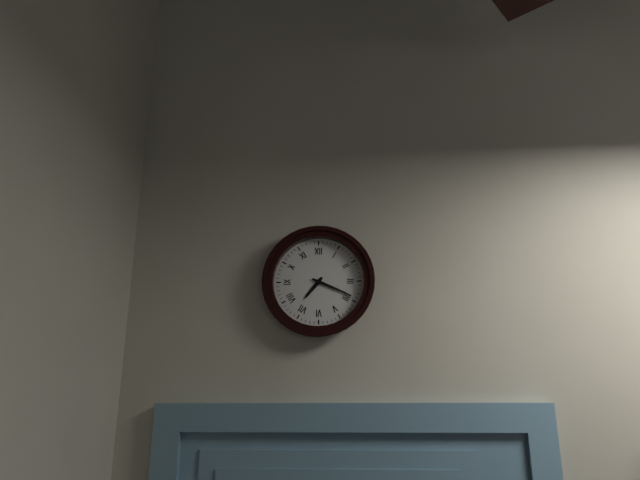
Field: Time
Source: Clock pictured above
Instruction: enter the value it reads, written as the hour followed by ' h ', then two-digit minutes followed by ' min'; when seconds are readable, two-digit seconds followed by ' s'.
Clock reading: 7 h 19 min
